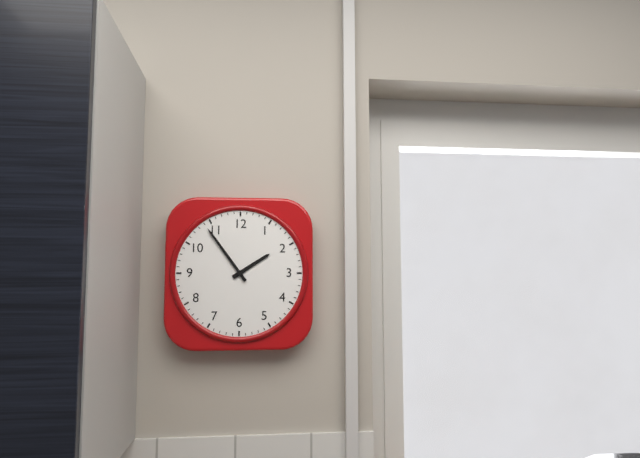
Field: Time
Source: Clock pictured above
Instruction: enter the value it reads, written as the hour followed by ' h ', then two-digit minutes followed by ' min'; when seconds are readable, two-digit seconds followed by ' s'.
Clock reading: 1 h 54 min
